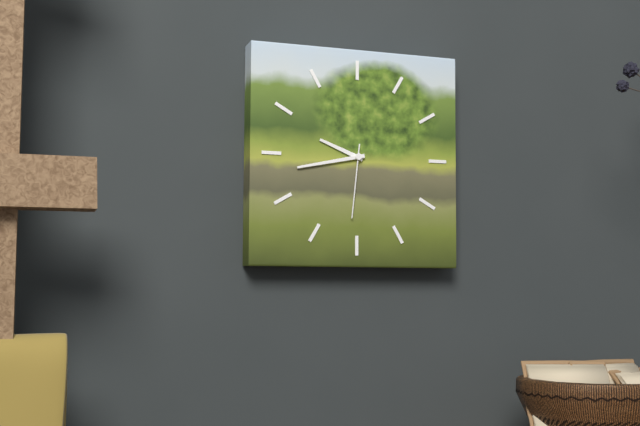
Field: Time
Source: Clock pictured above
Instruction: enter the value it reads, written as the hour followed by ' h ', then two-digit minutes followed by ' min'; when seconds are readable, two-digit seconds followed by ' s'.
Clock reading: 9 h 43 min 31 s
